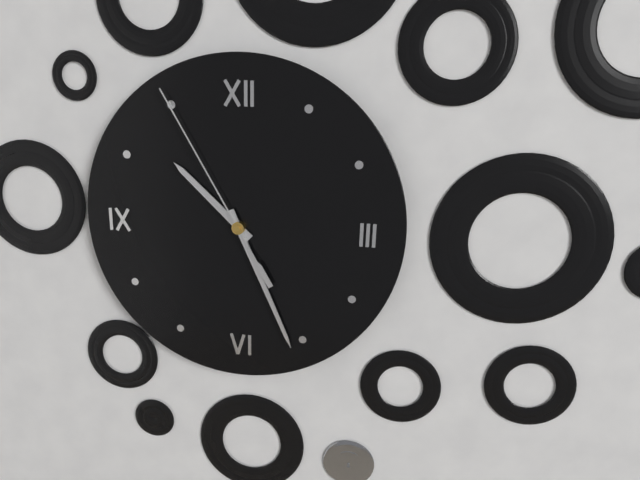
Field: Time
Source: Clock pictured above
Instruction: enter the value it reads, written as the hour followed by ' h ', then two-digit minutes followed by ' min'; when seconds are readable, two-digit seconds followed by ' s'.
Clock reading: 10 h 26 min 55 s
